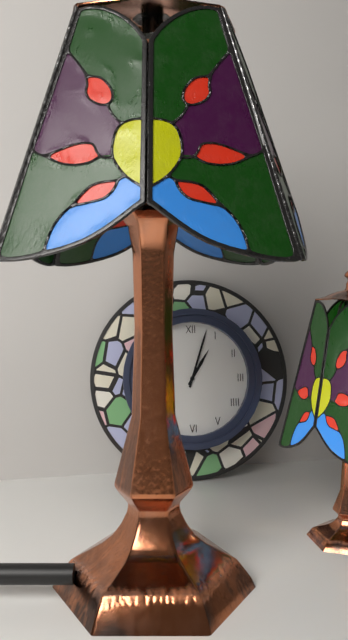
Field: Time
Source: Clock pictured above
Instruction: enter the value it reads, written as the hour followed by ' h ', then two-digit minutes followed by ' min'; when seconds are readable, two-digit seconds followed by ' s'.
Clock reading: 1 h 03 min
